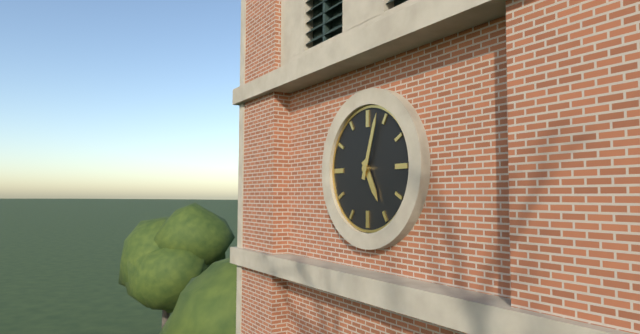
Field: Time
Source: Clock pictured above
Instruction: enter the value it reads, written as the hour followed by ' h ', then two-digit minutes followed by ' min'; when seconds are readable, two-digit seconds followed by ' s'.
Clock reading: 5 h 03 min
